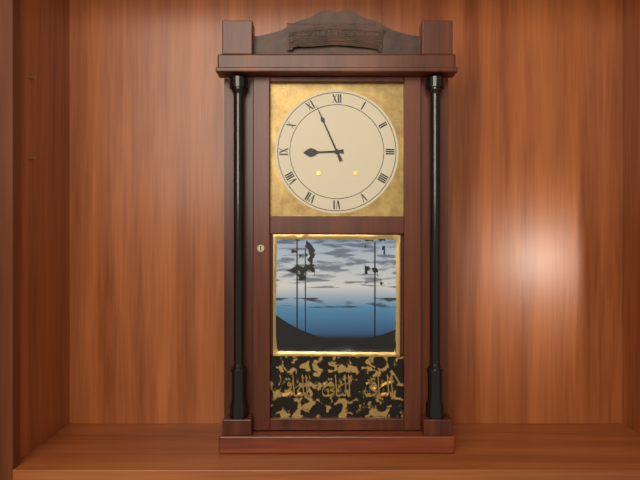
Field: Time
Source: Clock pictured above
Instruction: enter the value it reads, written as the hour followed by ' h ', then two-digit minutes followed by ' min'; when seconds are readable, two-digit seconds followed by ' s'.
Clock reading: 8 h 56 min
